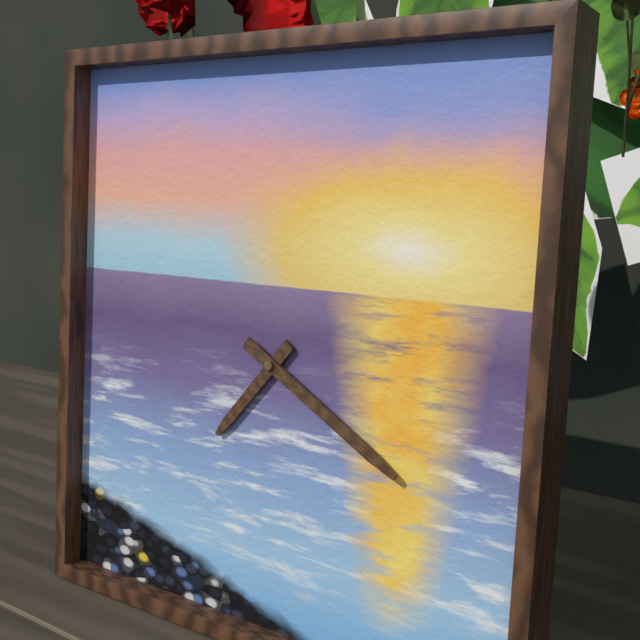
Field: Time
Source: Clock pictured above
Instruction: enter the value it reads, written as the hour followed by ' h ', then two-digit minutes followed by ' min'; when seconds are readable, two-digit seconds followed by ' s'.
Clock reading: 7 h 20 min
